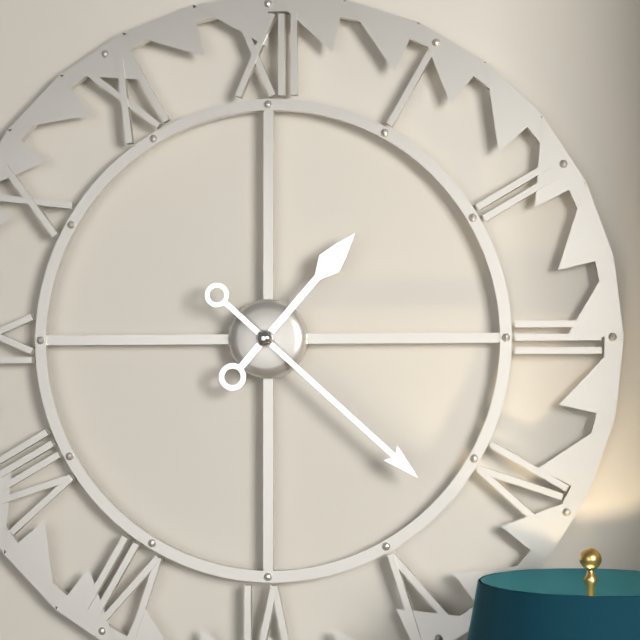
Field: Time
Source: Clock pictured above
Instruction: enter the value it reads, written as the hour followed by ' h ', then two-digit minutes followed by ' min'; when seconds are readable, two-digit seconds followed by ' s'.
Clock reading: 1 h 22 min
